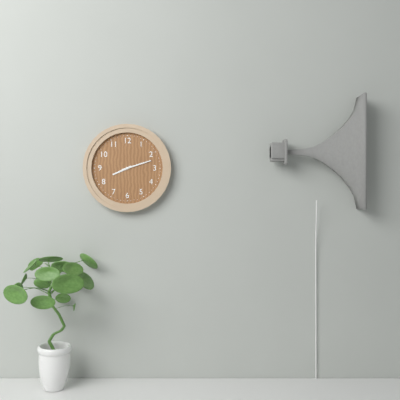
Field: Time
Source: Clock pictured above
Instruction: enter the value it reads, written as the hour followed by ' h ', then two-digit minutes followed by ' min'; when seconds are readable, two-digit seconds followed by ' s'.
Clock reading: 8 h 12 min
